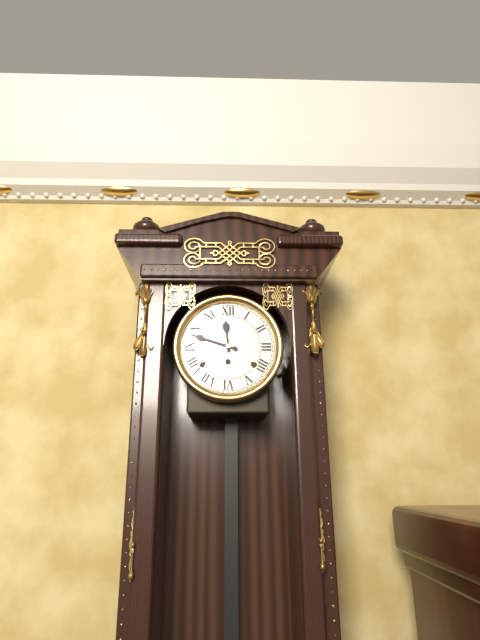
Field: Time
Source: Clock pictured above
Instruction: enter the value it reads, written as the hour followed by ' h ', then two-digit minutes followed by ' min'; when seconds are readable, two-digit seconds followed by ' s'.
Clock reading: 11 h 48 min
